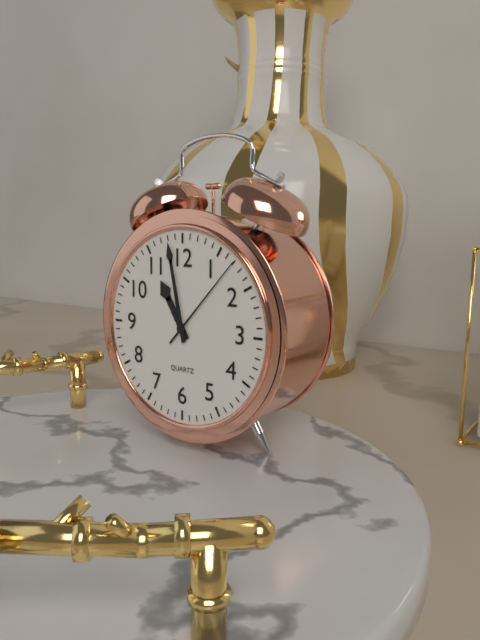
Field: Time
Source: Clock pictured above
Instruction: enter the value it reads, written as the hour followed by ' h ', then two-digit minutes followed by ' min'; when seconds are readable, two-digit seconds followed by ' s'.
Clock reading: 10 h 58 min 07 s
